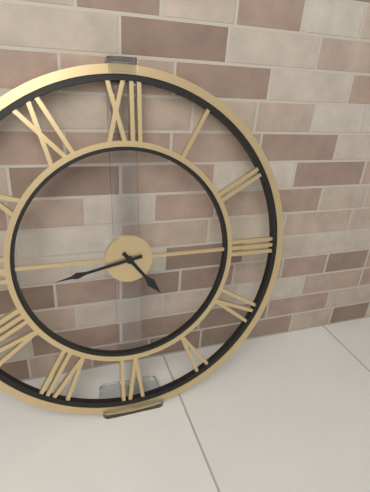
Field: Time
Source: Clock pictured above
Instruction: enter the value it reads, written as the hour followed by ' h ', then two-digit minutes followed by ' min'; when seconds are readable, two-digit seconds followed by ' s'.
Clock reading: 4 h 43 min
